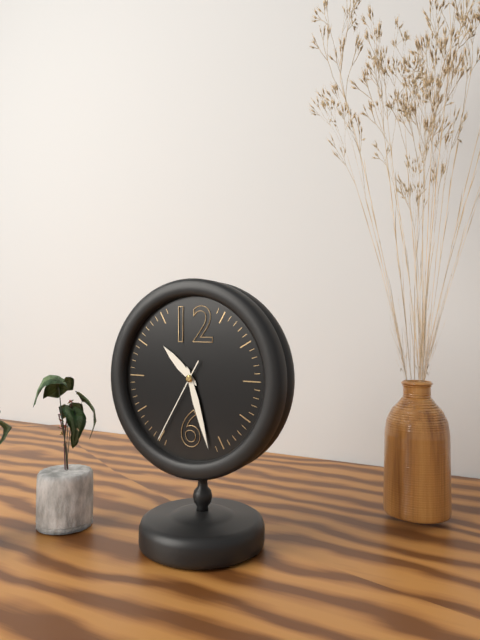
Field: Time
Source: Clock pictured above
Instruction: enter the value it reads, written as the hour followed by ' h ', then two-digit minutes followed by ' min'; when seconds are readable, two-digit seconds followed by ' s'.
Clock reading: 10 h 27 min 35 s
